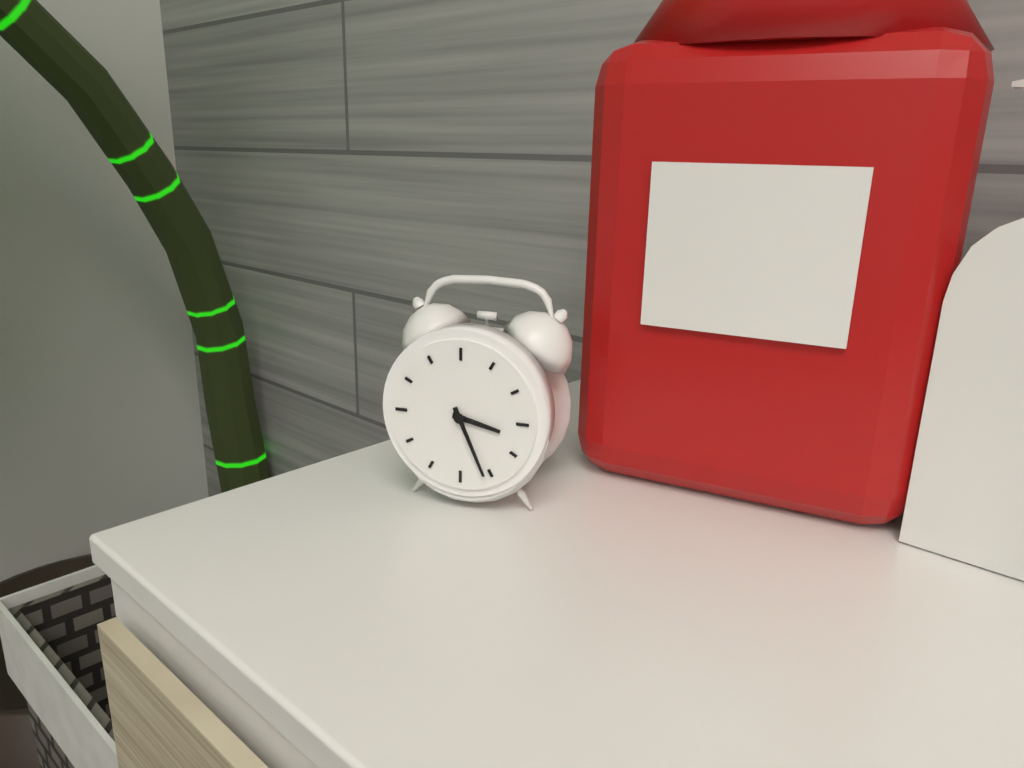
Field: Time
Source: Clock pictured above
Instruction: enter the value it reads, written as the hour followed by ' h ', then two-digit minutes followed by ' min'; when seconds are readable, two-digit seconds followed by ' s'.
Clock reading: 3 h 26 min
